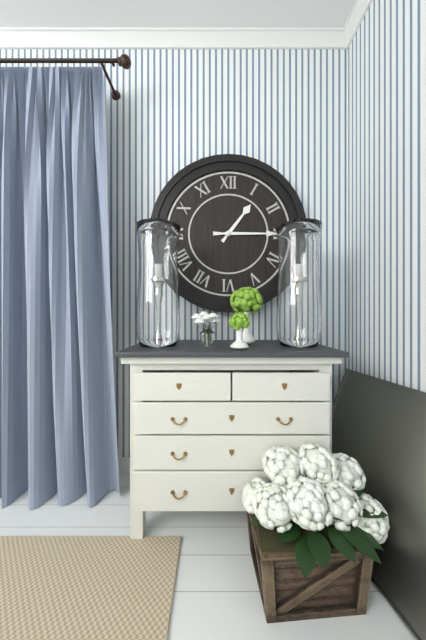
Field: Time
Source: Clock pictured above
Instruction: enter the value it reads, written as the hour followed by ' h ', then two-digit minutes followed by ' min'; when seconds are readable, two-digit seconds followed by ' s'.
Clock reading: 1 h 15 min
